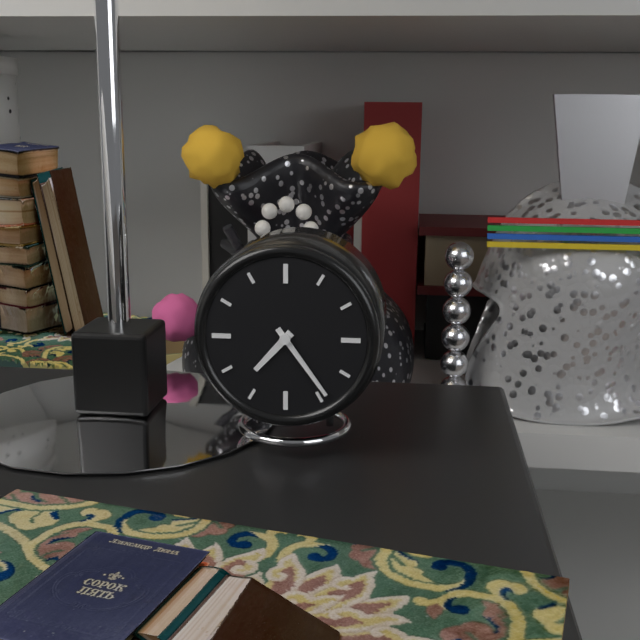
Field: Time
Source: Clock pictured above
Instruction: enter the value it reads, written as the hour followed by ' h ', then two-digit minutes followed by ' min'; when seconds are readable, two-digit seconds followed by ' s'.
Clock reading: 7 h 24 min
